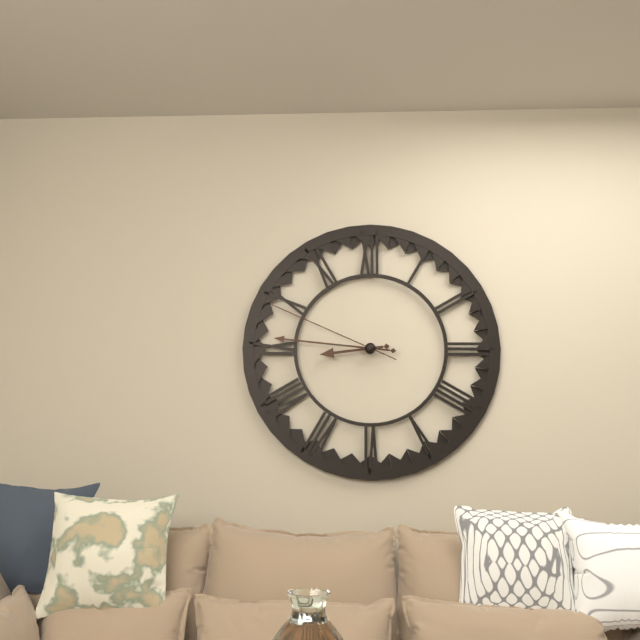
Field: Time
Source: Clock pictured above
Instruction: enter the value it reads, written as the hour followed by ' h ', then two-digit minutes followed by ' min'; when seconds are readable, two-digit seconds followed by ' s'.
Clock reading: 8 h 46 min 49 s
